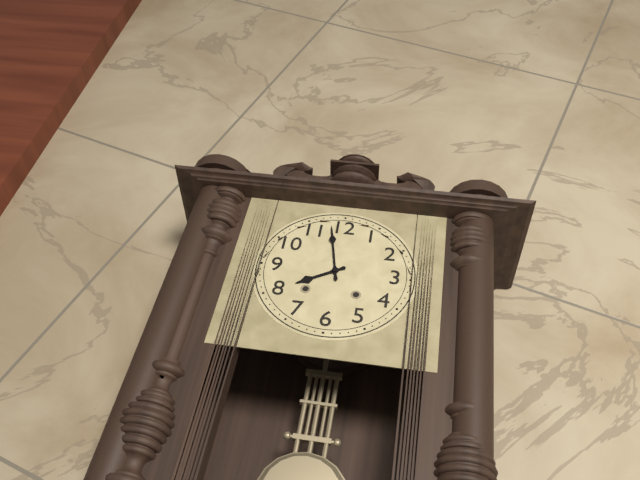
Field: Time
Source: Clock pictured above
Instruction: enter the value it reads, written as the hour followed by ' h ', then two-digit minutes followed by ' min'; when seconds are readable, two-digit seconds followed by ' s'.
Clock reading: 7 h 58 min
